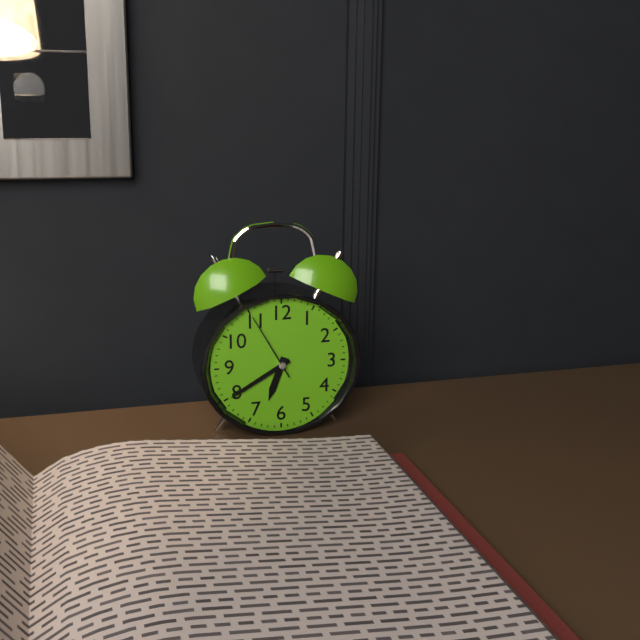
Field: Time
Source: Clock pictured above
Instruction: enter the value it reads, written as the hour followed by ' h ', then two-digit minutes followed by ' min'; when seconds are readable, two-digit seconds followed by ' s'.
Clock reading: 6 h 40 min 55 s
